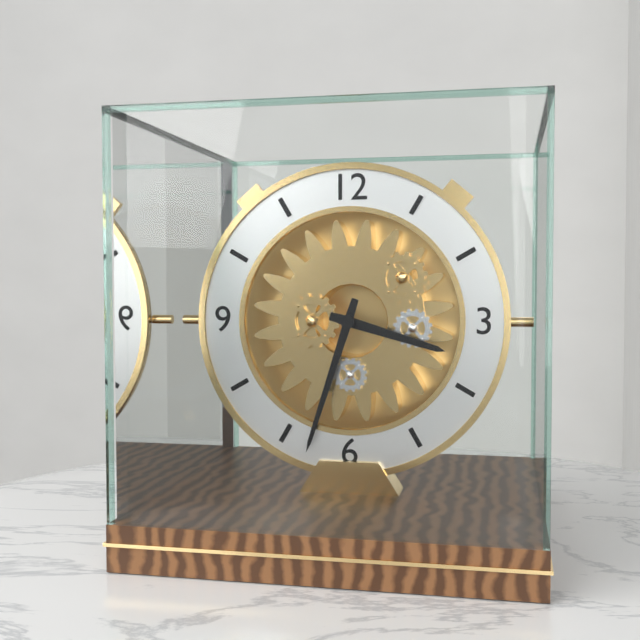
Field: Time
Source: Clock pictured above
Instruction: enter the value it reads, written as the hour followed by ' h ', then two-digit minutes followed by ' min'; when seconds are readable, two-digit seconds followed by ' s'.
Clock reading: 3 h 33 min
